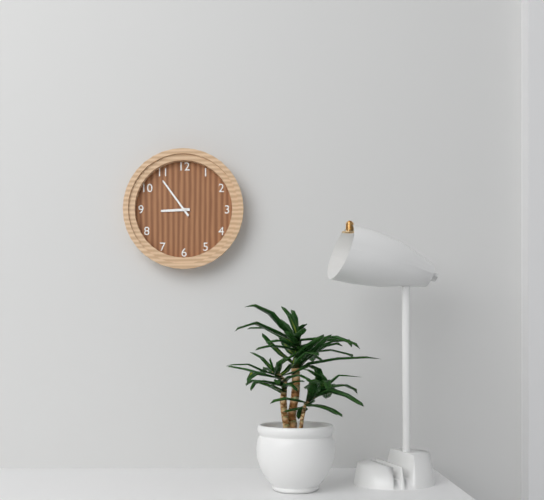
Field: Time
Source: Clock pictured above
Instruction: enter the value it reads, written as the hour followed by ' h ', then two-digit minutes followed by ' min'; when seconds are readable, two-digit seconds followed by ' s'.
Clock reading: 8 h 54 min
